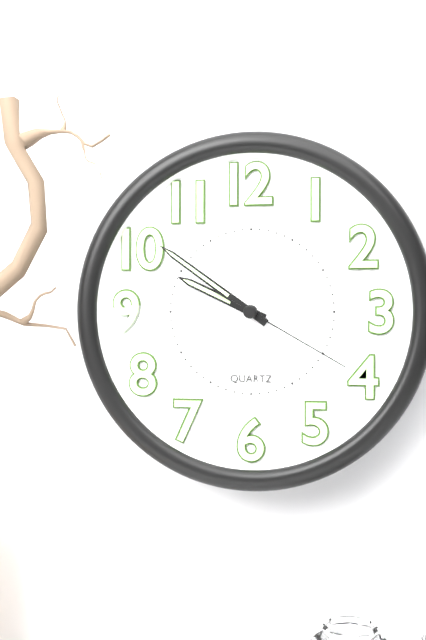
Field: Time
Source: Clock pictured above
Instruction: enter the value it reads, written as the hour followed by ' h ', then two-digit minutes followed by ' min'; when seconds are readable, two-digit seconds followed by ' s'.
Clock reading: 9 h 51 min 20 s
